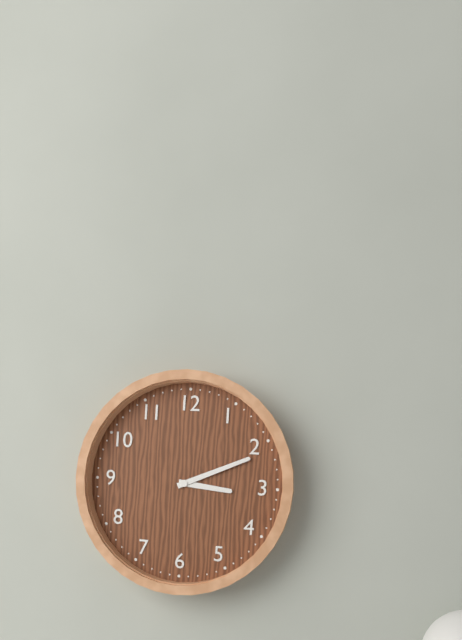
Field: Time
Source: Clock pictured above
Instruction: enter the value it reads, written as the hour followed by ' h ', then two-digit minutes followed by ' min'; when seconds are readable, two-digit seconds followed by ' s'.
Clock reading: 3 h 11 min
